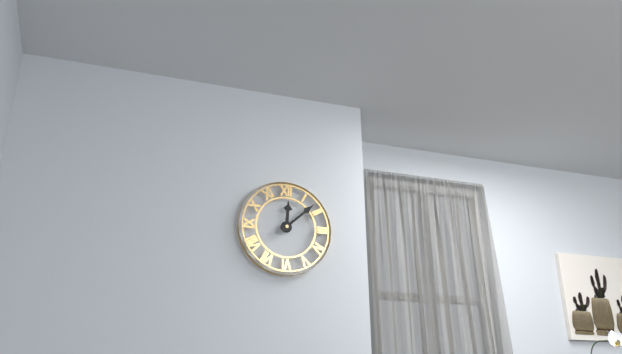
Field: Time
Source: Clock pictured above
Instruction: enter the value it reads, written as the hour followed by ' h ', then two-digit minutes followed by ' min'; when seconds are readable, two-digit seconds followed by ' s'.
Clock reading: 12 h 08 min
